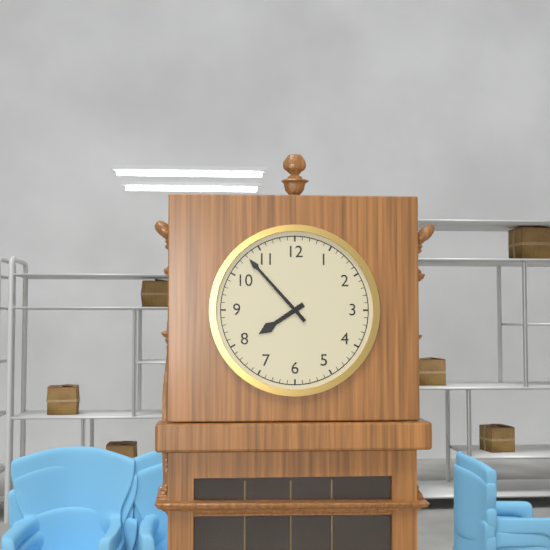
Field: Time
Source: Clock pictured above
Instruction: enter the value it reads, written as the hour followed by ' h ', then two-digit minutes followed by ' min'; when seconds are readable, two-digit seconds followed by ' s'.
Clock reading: 7 h 53 min
